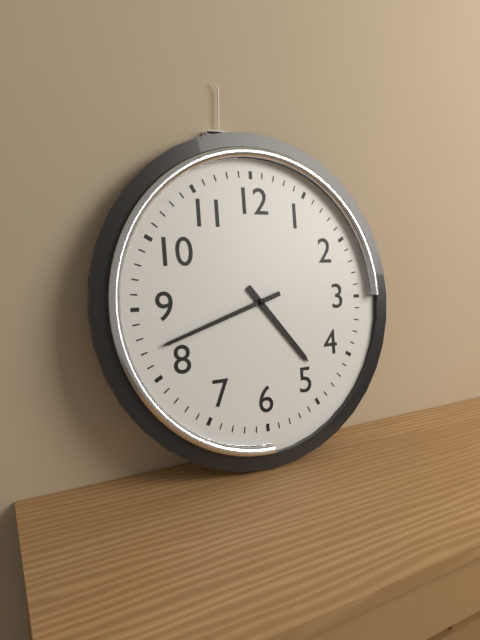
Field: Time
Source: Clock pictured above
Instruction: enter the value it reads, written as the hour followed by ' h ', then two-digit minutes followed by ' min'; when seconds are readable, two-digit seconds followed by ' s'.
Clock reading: 4 h 42 min
